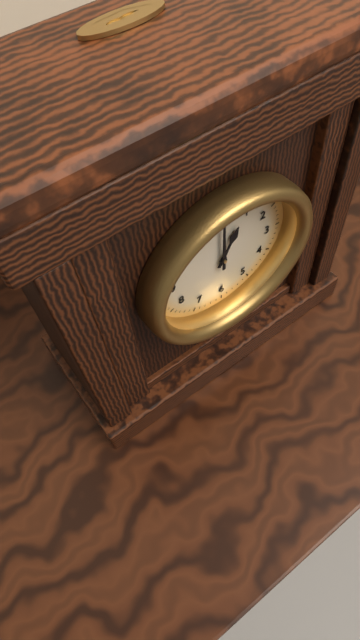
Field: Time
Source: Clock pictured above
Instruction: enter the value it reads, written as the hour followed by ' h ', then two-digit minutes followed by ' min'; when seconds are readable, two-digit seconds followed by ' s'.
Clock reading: 1 h 00 min
